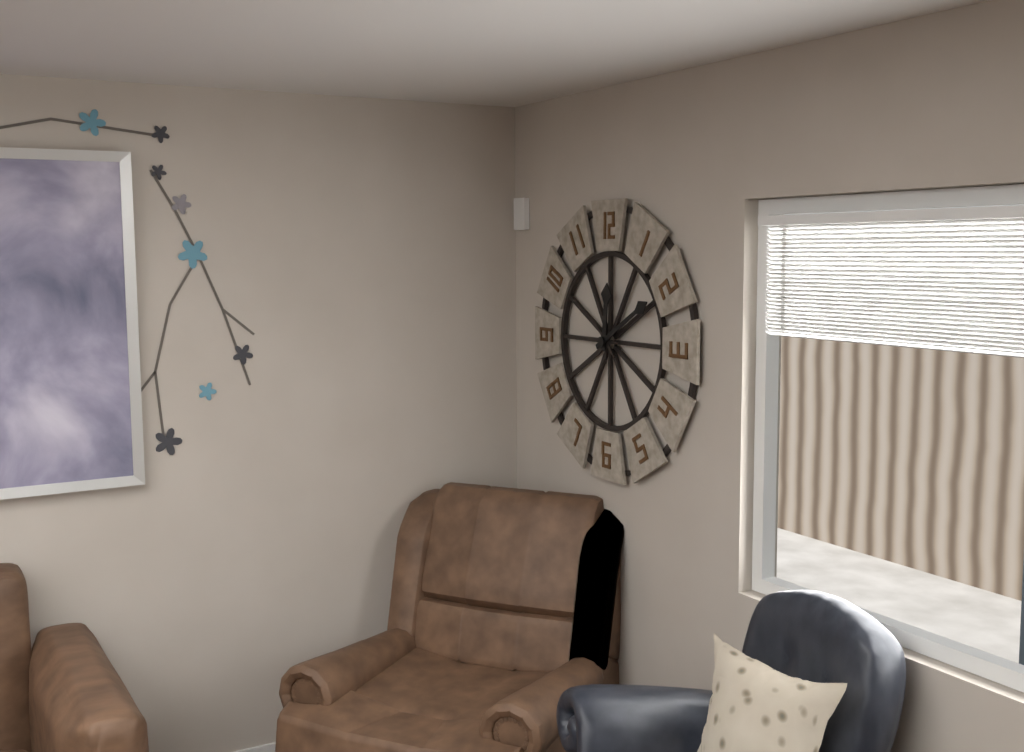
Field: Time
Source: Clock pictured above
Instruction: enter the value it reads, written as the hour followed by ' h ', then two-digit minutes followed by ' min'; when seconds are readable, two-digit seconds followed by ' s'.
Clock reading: 12 h 10 min
